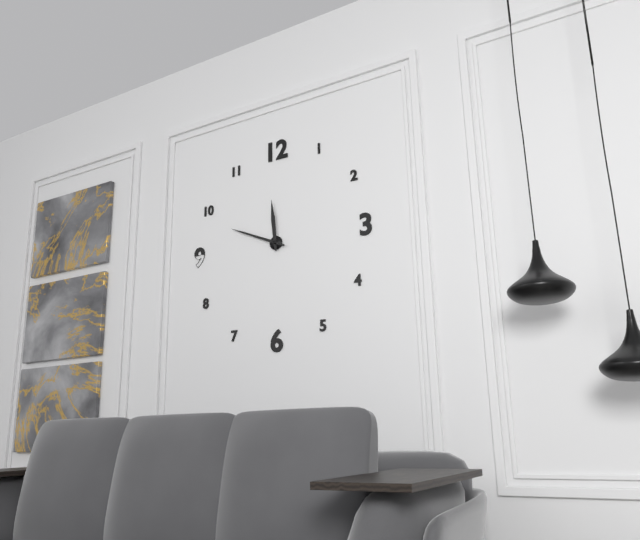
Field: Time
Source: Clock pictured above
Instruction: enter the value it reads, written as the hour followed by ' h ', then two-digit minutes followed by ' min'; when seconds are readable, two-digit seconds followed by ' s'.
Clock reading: 11 h 49 min
